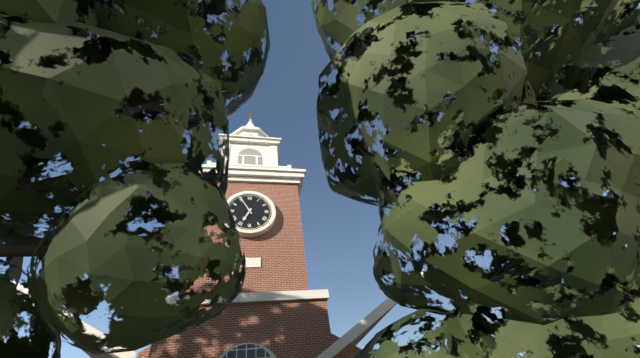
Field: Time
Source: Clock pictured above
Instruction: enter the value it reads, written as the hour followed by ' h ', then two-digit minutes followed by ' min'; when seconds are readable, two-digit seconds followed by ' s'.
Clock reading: 6 h 55 min
